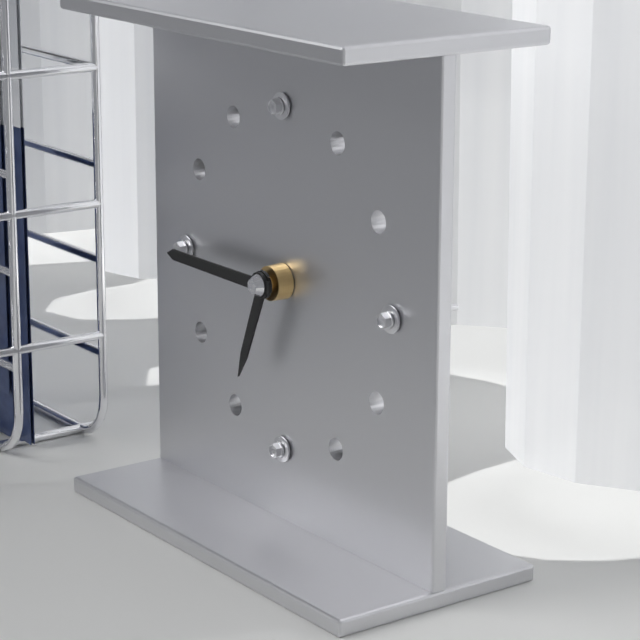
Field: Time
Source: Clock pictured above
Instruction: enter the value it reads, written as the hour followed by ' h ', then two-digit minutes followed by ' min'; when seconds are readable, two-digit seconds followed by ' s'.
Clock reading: 6 h 45 min
